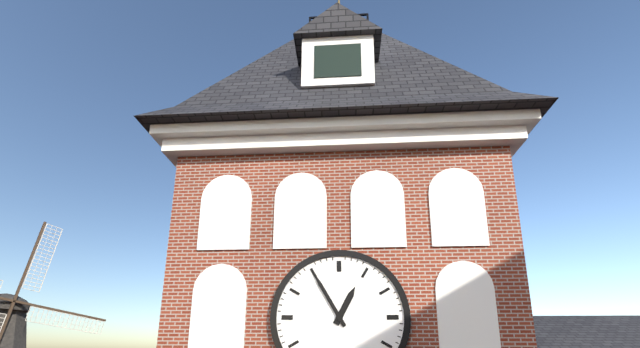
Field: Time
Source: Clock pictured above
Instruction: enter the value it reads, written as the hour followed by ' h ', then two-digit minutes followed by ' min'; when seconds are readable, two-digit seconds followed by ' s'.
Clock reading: 12 h 55 min
